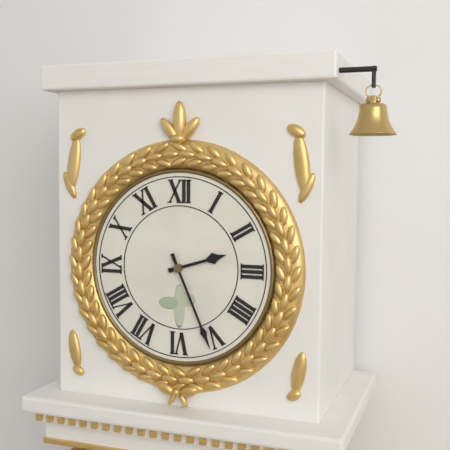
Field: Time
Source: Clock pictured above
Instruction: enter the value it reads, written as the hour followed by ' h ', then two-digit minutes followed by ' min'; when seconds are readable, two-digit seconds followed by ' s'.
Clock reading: 2 h 26 min
